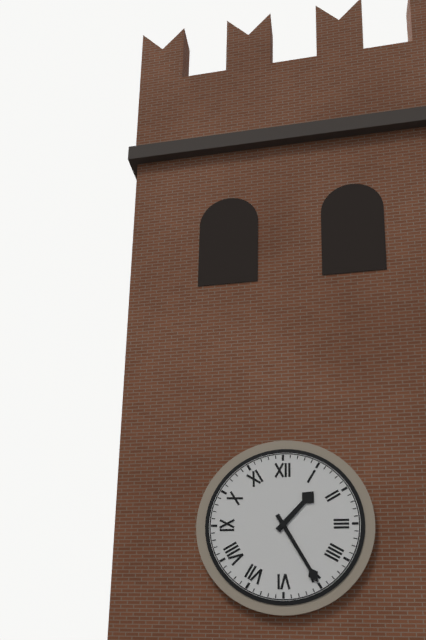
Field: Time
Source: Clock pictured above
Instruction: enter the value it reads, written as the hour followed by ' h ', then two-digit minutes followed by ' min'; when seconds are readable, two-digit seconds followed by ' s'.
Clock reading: 1 h 25 min
